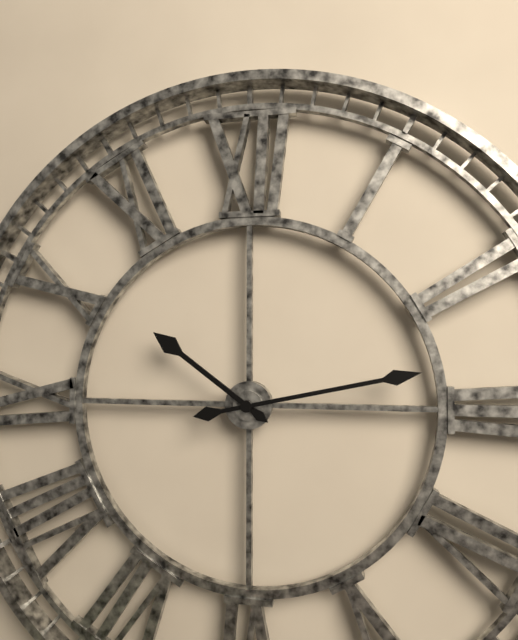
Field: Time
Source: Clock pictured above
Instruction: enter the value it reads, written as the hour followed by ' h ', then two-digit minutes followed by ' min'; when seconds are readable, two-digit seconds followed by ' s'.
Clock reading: 10 h 13 min
